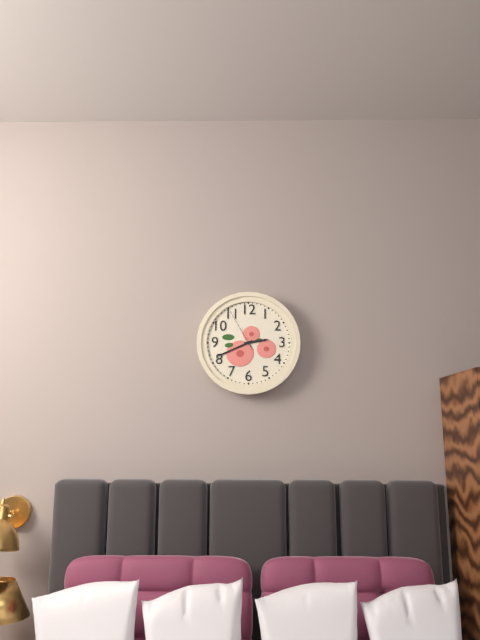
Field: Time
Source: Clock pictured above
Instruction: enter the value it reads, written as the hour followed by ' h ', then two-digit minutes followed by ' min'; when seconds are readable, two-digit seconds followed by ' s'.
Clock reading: 2 h 41 min
